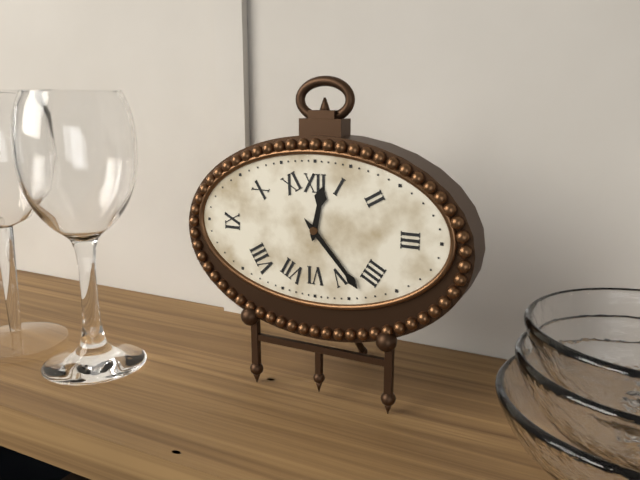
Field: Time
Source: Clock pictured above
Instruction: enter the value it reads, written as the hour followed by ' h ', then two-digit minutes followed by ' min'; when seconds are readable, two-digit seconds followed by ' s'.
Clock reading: 12 h 23 min
